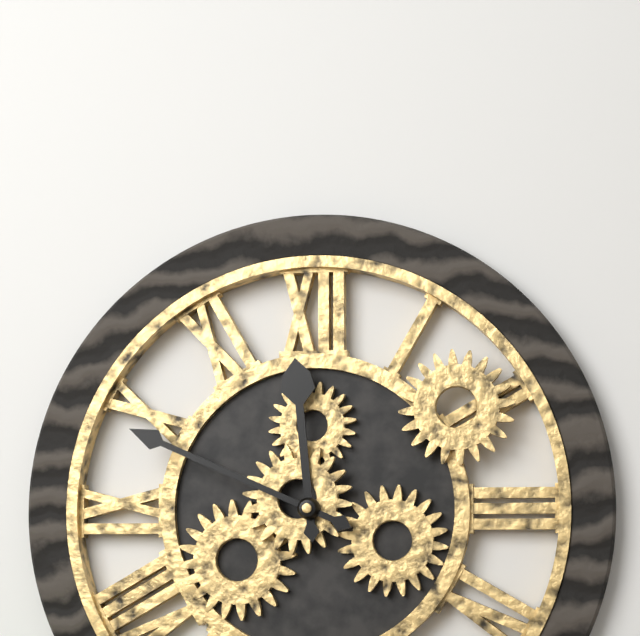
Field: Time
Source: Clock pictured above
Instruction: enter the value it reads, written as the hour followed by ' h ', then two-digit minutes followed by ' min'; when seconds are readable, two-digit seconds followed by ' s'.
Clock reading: 11 h 49 min
